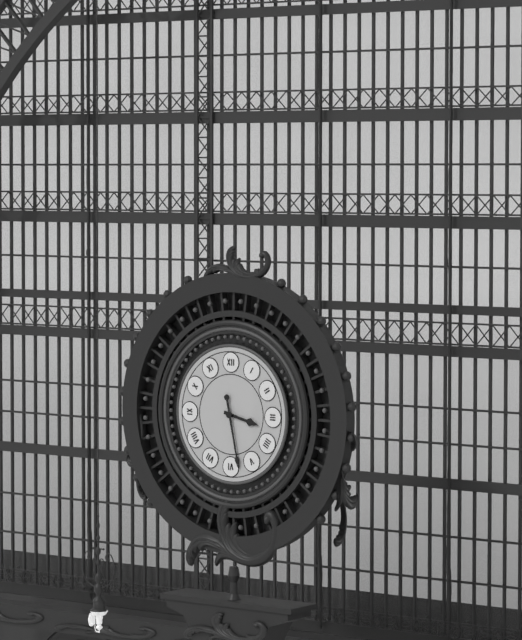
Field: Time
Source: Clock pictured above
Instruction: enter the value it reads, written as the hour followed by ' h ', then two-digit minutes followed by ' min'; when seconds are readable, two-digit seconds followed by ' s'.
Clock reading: 3 h 28 min
